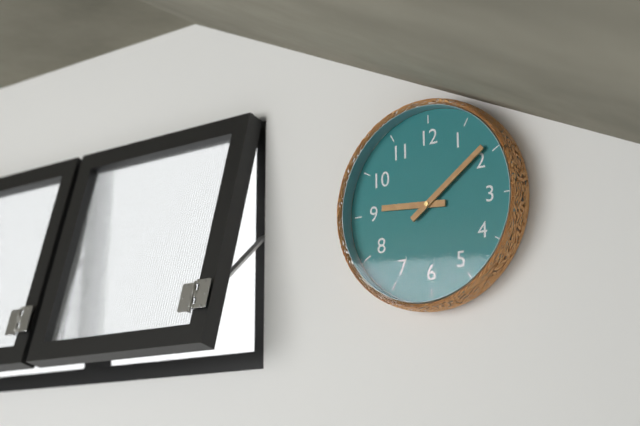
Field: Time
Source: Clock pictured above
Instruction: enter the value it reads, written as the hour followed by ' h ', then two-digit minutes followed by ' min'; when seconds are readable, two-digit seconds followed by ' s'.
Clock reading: 9 h 09 min
